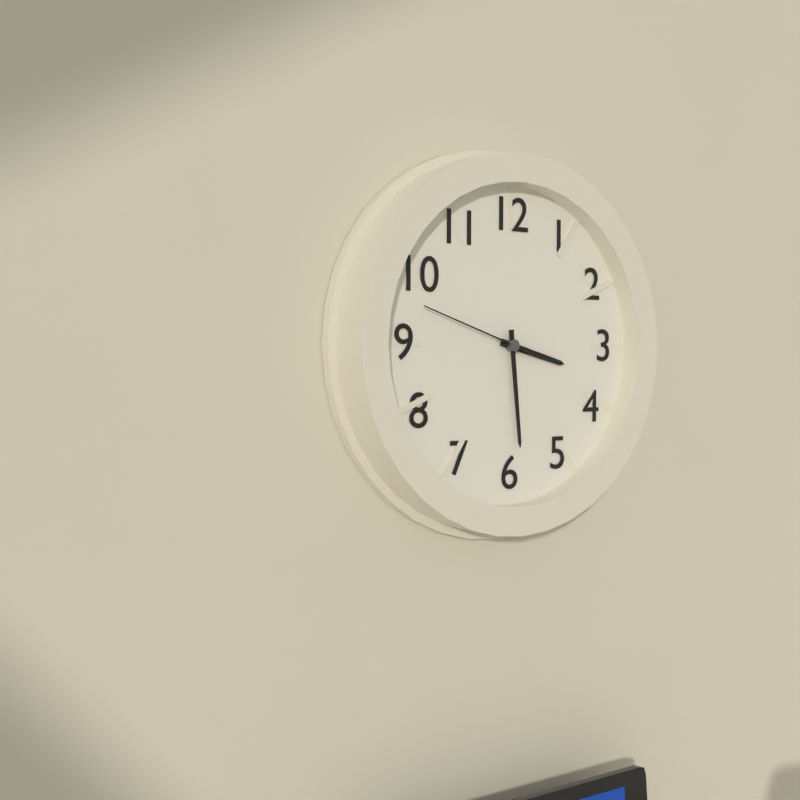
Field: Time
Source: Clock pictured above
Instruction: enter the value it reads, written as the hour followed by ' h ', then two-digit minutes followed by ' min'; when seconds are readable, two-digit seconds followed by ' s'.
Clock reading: 3 h 29 min 48 s
